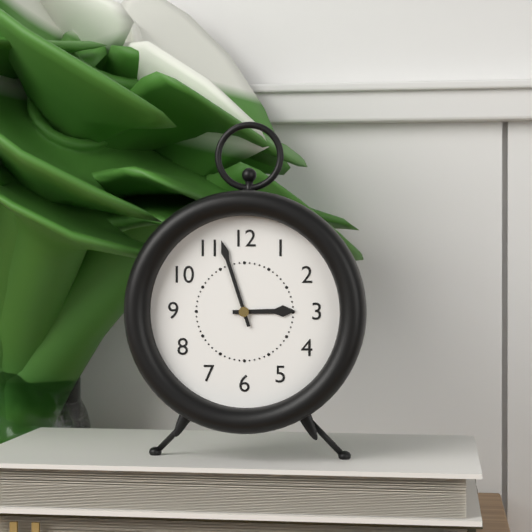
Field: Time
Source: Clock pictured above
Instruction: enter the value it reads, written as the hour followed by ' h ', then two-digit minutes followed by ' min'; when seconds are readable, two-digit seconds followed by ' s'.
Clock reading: 2 h 57 min
